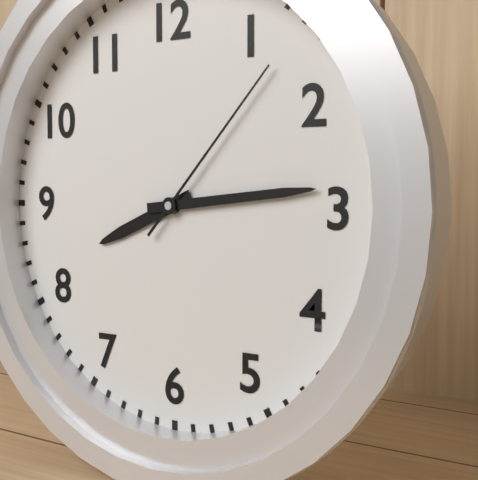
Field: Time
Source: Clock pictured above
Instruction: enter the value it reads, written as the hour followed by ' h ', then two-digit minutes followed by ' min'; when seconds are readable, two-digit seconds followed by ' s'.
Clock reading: 8 h 14 min 07 s
